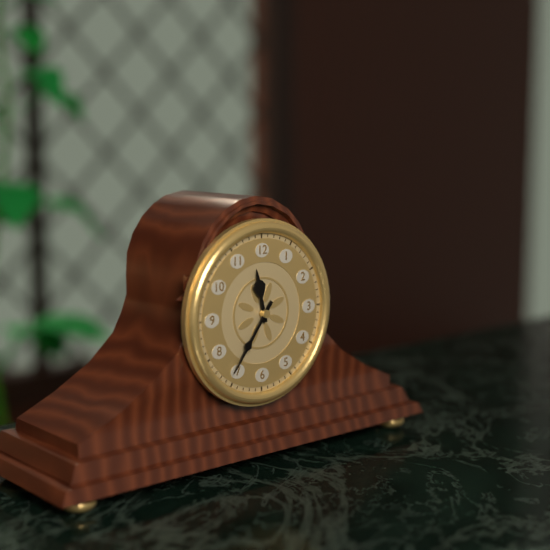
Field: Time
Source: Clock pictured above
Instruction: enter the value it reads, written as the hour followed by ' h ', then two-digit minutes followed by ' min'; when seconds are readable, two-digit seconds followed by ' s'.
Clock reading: 11 h 36 min
